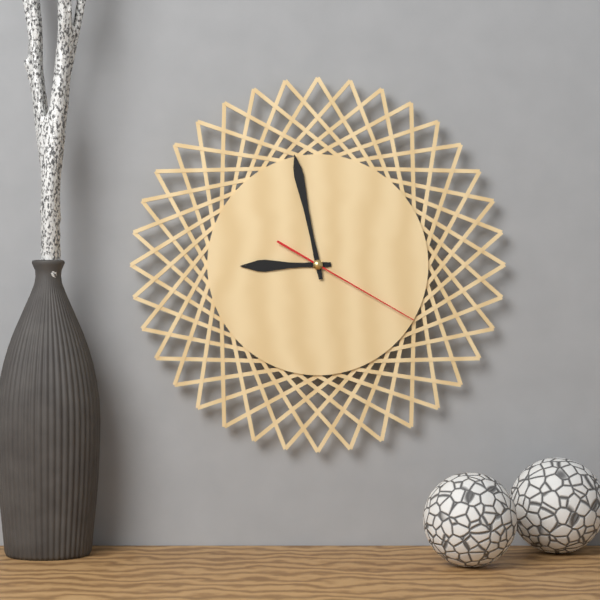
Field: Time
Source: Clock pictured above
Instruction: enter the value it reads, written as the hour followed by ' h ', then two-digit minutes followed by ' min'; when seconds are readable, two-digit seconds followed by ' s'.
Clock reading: 8 h 58 min 20 s
